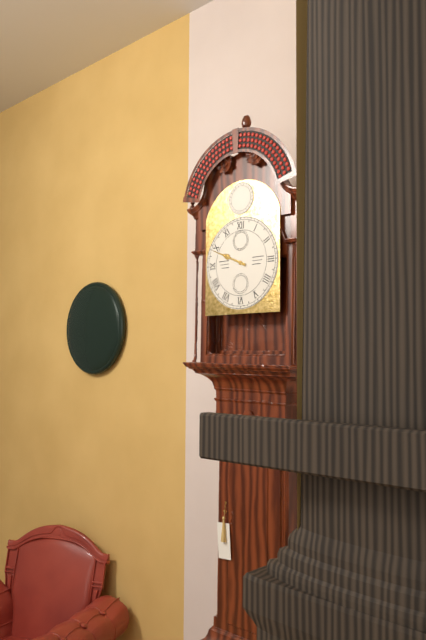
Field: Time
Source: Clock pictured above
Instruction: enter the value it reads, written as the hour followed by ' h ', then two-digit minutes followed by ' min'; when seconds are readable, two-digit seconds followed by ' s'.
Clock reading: 9 h 49 min
